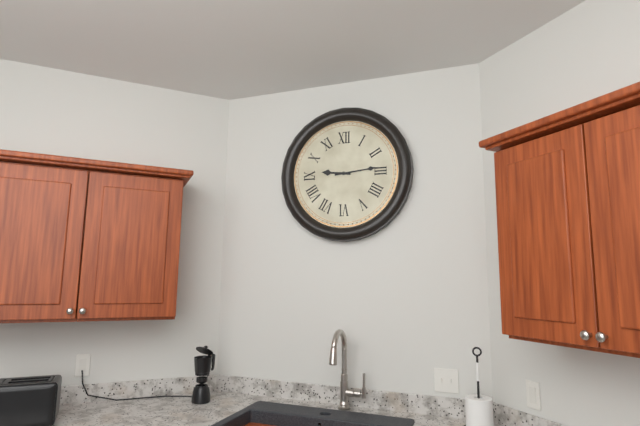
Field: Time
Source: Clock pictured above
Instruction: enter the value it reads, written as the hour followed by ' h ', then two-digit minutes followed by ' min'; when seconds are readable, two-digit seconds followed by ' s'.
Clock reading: 9 h 14 min
